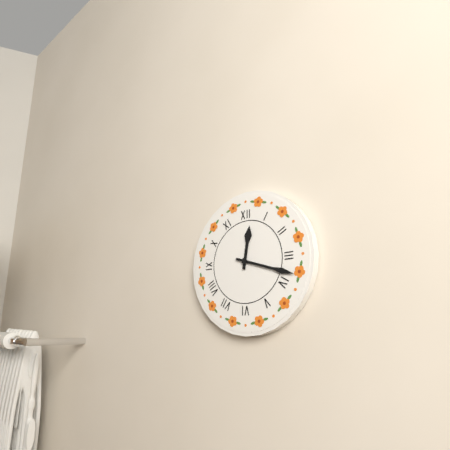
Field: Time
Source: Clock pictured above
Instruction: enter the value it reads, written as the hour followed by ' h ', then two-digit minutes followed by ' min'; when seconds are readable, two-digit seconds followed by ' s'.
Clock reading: 12 h 18 min
